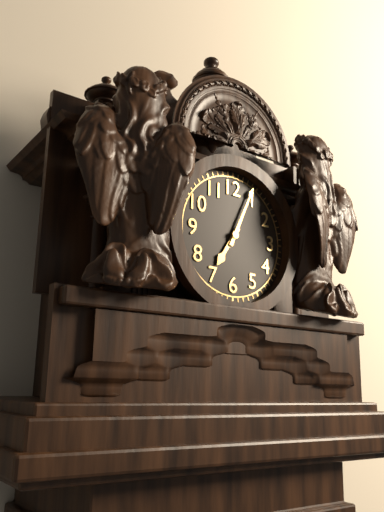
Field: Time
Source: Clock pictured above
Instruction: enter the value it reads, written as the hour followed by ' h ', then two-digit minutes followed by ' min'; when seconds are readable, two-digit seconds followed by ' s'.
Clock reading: 7 h 04 min
